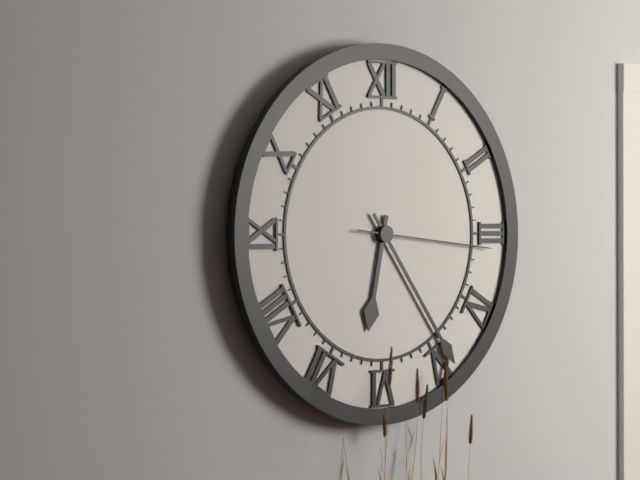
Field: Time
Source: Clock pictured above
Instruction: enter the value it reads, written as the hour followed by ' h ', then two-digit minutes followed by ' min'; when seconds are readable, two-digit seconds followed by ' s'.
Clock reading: 6 h 24 min 16 s
